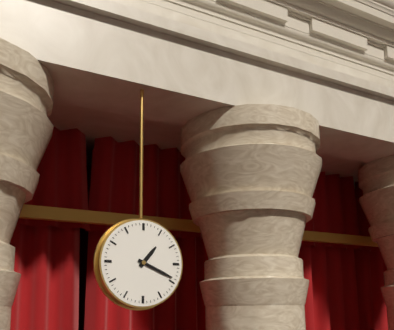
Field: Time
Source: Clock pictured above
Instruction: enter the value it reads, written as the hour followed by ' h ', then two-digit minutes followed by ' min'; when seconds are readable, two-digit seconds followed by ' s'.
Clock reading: 1 h 19 min
